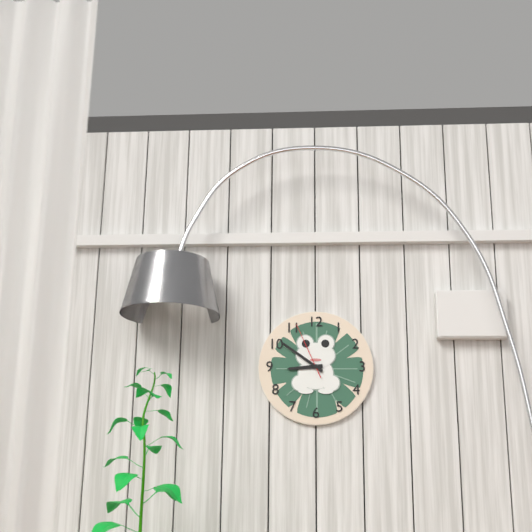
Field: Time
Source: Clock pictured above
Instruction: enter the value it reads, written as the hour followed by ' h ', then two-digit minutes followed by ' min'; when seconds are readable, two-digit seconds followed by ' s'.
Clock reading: 8 h 51 min 56 s
